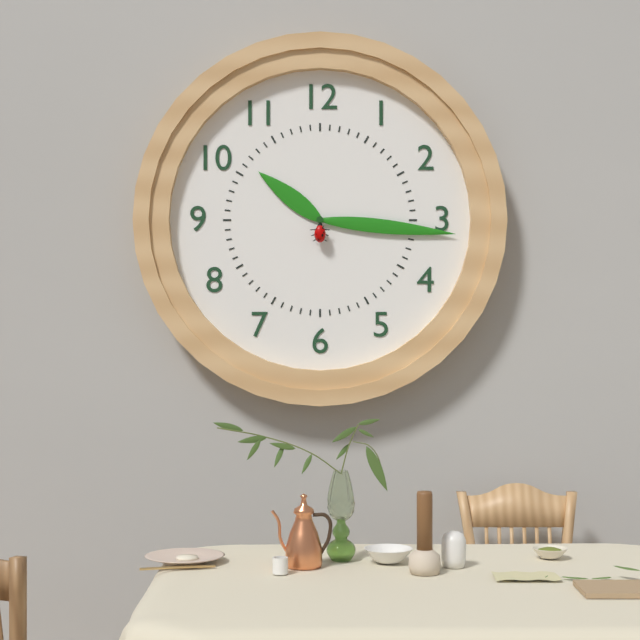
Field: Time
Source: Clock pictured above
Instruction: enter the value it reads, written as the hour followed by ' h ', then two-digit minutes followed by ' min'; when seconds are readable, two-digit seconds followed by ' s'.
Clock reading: 10 h 16 min
